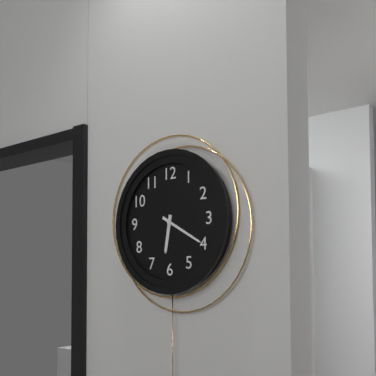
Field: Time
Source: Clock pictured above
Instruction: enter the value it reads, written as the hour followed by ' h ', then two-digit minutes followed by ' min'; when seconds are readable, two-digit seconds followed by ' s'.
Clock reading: 6 h 20 min
